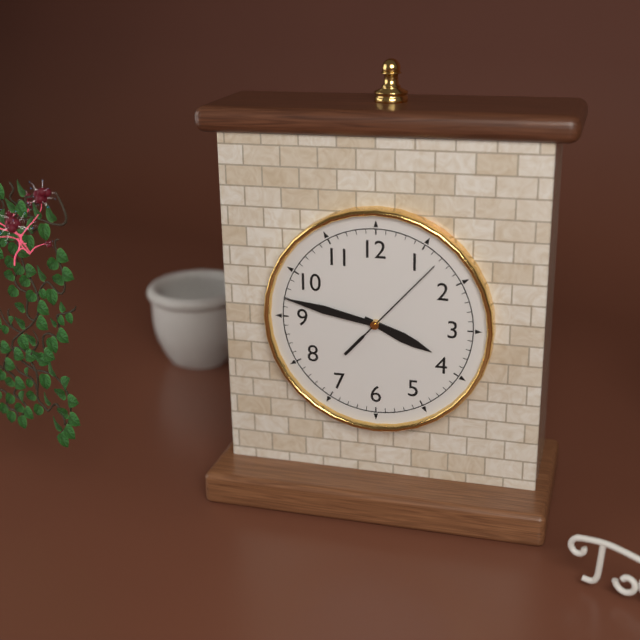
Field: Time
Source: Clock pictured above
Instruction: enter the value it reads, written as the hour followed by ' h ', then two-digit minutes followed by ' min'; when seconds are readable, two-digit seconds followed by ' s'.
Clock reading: 3 h 47 min 07 s
